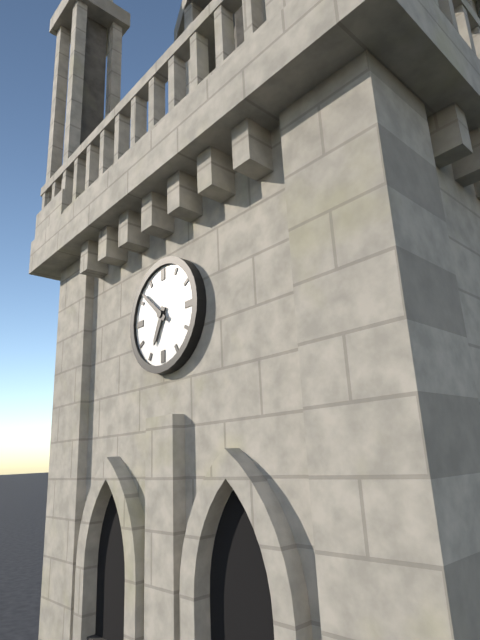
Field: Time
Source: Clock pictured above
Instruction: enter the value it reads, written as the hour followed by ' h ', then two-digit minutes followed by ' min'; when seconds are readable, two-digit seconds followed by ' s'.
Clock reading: 6 h 52 min
